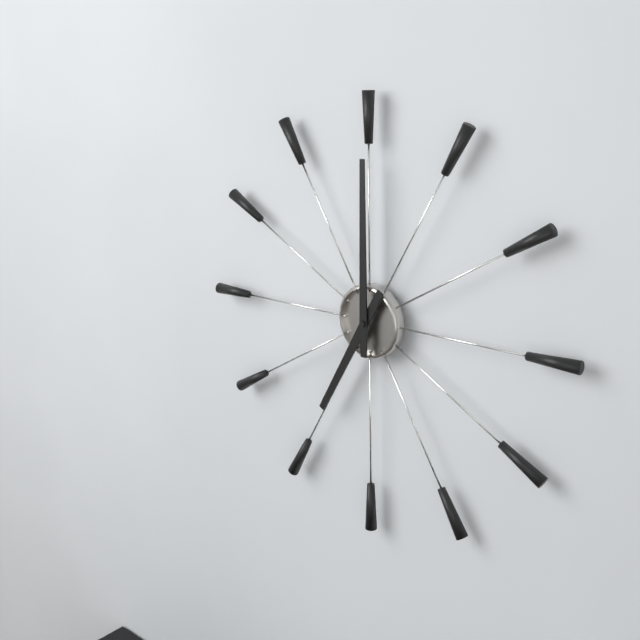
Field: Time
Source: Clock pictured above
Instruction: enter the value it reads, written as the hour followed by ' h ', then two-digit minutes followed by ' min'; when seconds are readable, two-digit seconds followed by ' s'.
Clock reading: 7 h 00 min
